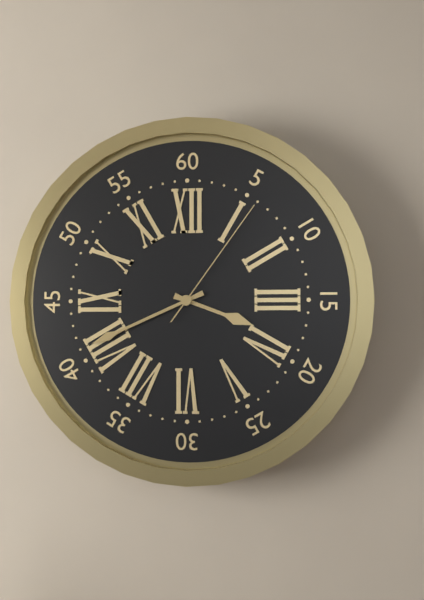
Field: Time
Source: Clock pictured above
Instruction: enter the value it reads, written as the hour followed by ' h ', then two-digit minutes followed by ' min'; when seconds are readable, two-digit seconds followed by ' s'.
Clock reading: 3 h 41 min 06 s
